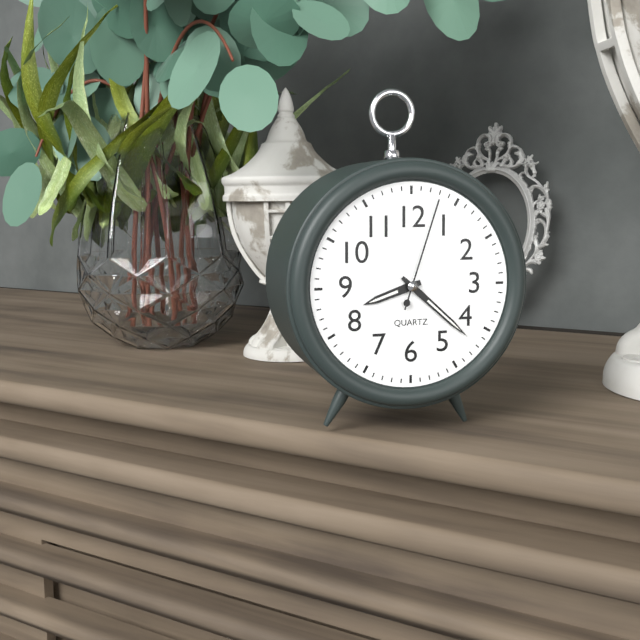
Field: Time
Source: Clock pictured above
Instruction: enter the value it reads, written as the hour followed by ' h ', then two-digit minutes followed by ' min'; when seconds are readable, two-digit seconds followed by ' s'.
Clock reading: 8 h 22 min 03 s
